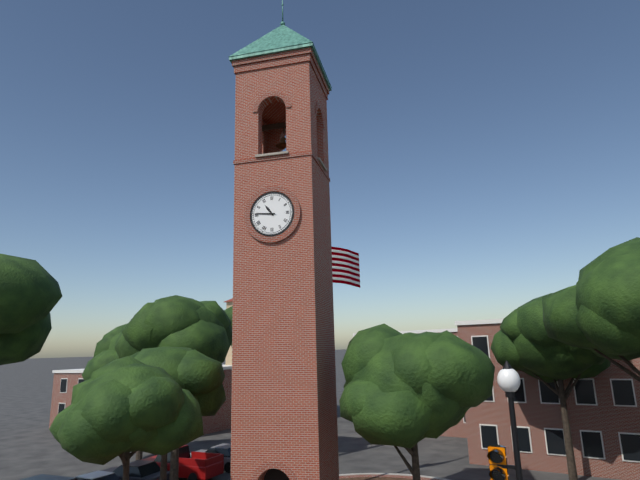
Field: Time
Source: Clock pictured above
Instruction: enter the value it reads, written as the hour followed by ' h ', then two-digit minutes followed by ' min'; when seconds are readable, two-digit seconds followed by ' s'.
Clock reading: 10 h 46 min
